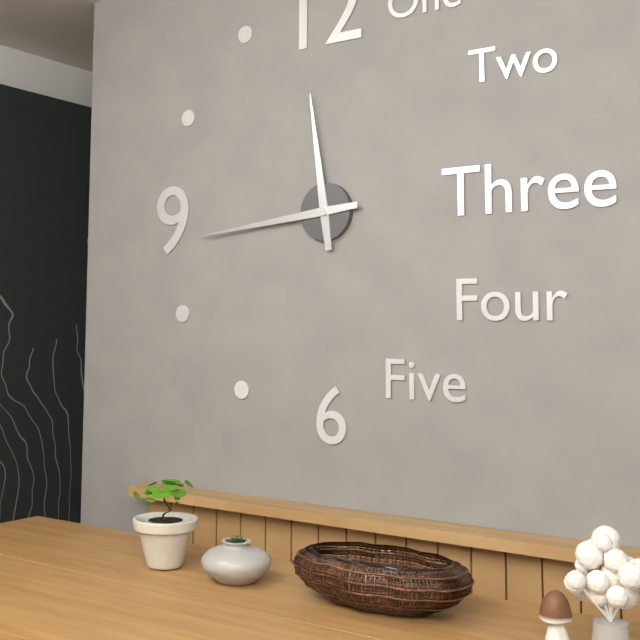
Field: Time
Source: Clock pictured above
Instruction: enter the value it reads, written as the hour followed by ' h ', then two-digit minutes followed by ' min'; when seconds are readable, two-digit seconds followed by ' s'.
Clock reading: 11 h 44 min
